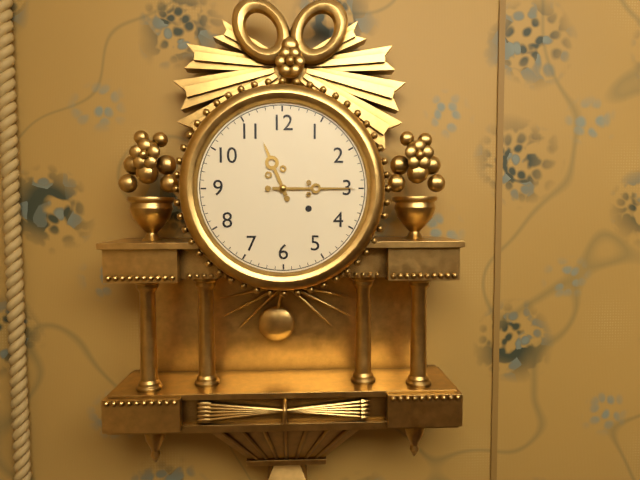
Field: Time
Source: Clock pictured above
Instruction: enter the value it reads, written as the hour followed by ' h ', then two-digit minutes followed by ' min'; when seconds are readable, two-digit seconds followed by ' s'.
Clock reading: 11 h 15 min
